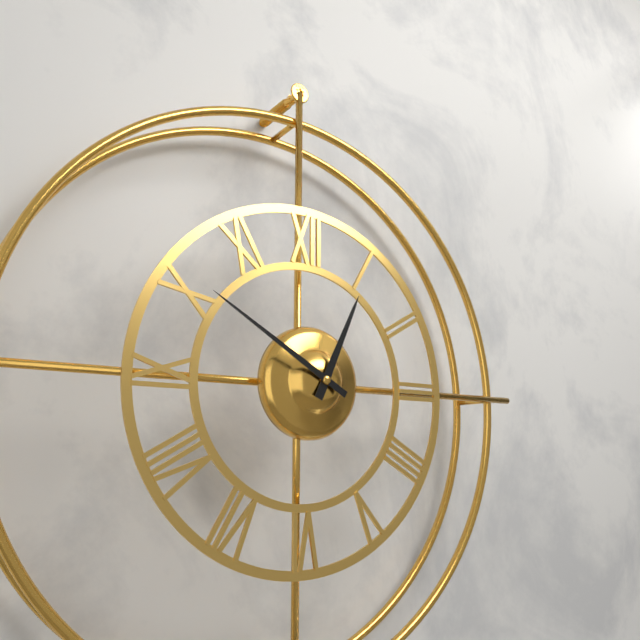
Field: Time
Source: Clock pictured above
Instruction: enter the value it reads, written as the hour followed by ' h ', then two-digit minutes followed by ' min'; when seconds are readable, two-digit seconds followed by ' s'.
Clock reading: 12 h 50 min
